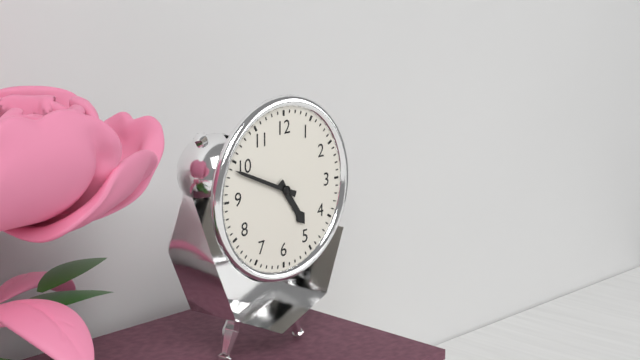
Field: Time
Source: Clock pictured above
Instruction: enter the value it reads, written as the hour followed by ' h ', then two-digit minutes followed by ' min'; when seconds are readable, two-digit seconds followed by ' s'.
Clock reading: 4 h 49 min
